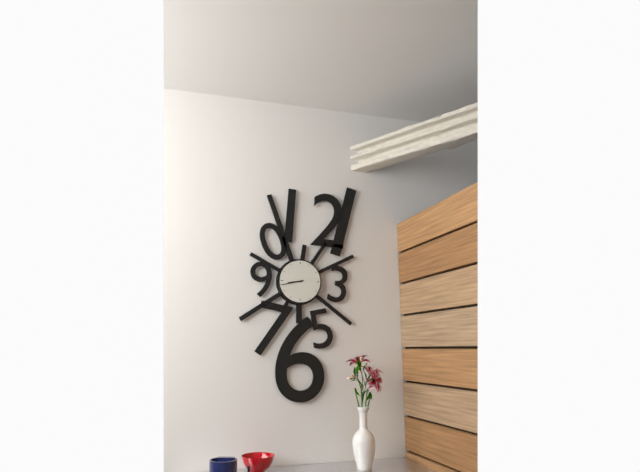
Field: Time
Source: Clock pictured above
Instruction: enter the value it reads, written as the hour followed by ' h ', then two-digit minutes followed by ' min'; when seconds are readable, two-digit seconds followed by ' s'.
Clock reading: 8 h 43 min
